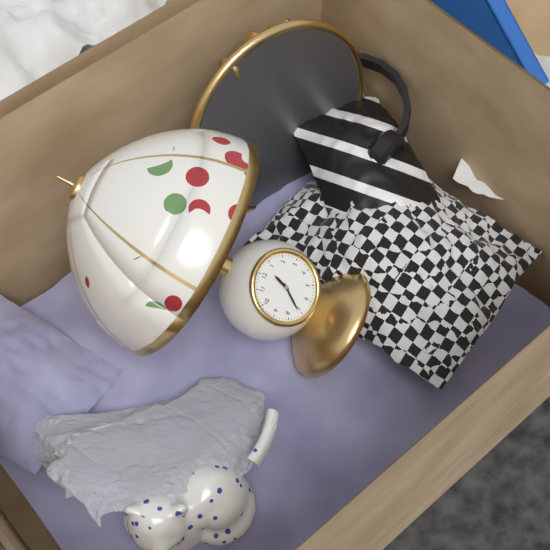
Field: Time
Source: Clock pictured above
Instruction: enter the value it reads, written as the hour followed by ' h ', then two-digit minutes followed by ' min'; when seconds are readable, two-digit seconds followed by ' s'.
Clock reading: 12 h 36 min
